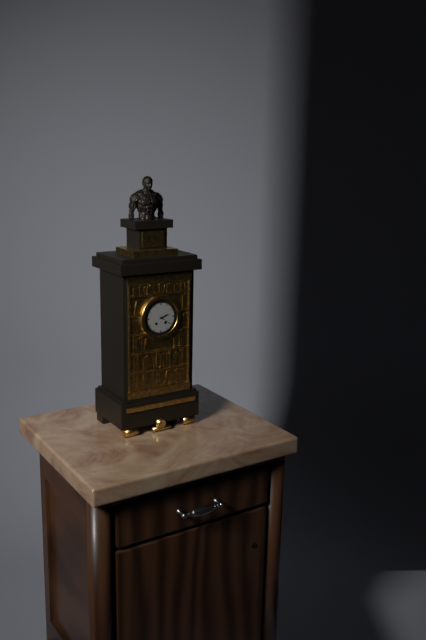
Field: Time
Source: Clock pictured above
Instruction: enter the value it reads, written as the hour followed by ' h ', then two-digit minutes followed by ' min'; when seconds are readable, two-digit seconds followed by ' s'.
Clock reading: 2 h 21 min
